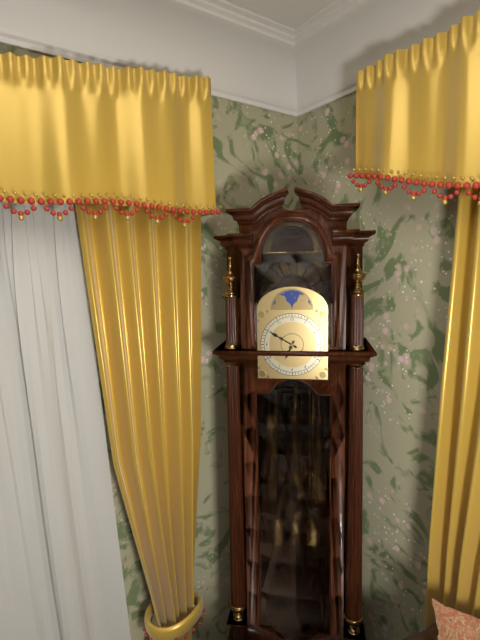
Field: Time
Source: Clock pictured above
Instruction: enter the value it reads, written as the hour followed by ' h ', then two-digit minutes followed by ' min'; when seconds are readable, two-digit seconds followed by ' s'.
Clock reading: 6 h 50 min
